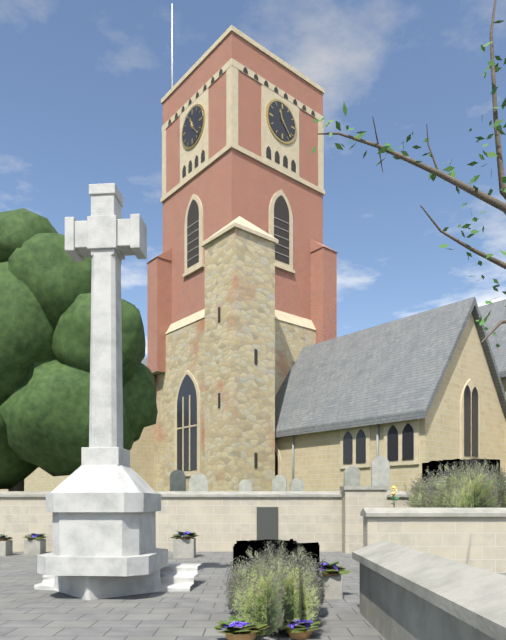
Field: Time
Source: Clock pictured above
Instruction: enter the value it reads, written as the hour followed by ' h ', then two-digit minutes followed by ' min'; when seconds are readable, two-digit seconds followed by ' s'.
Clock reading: 11 h 23 min
